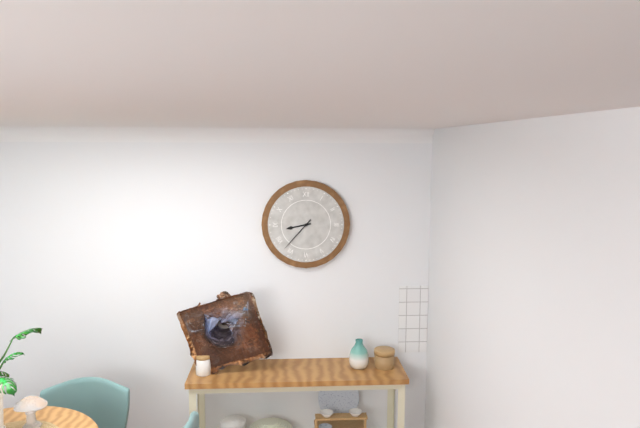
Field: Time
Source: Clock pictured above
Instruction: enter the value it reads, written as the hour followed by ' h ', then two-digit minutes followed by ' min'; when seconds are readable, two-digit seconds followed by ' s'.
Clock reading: 8 h 37 min
